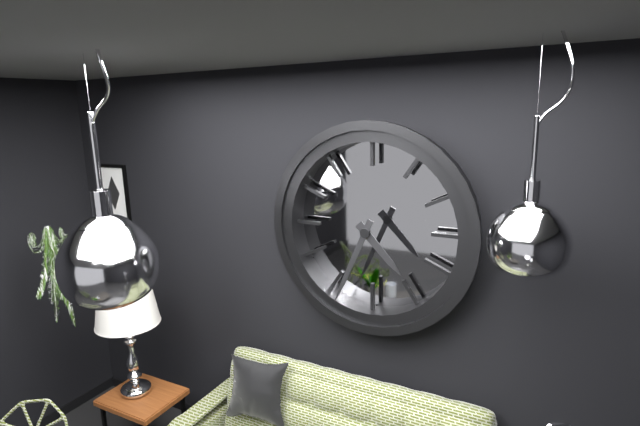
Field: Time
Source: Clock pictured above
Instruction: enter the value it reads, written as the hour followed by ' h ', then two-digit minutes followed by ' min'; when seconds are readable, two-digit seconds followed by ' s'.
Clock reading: 4 h 34 min
